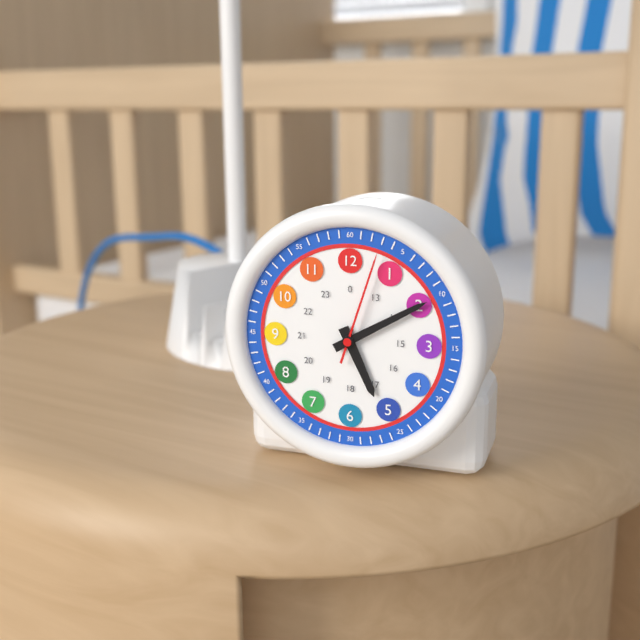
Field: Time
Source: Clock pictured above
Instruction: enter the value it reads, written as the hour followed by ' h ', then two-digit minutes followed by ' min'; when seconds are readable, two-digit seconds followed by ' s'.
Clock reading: 5 h 10 min 03 s
